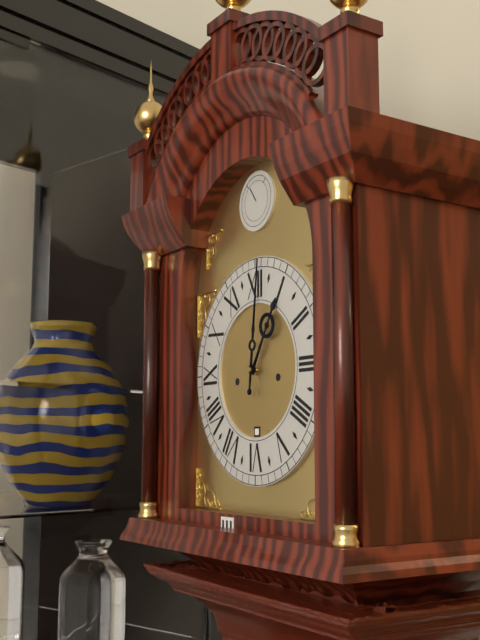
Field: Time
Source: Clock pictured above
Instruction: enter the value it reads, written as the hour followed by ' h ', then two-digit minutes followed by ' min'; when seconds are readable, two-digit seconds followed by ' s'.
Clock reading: 1 h 01 min
